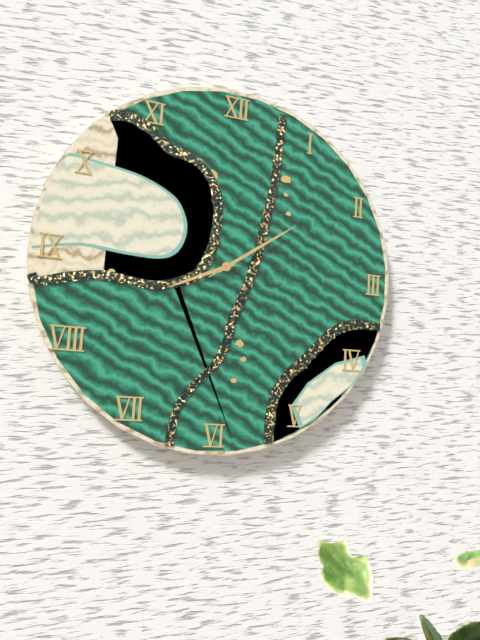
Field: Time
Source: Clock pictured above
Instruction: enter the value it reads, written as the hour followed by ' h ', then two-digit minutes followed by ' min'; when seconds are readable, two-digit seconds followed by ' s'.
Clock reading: 8 h 09 min 09 s
